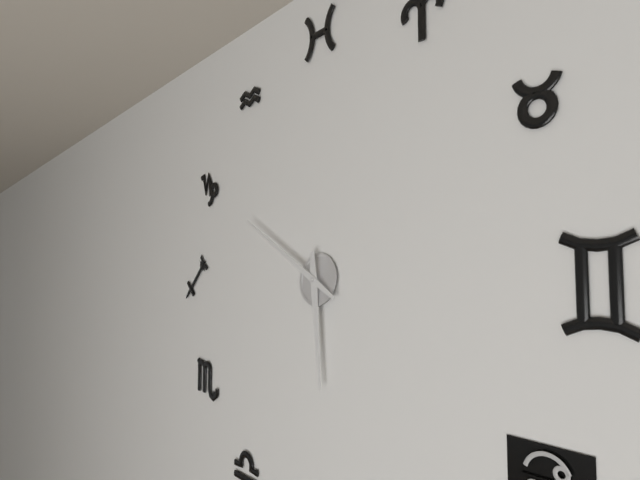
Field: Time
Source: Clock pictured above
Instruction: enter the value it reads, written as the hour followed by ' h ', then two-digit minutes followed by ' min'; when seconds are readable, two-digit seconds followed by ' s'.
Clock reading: 5 h 50 min
